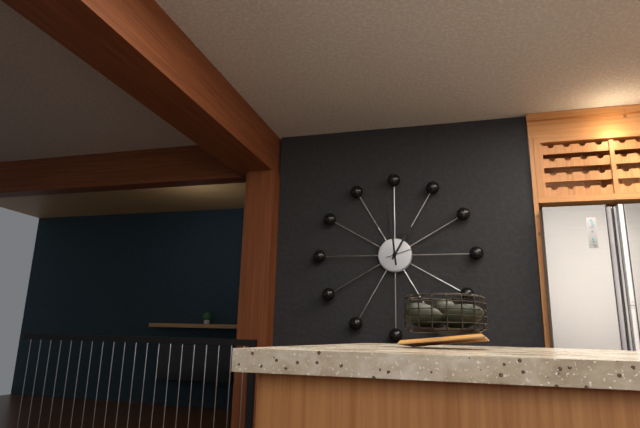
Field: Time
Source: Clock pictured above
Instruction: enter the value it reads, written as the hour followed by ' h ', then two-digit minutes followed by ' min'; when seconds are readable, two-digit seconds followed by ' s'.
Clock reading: 12 h 59 min 12 s
